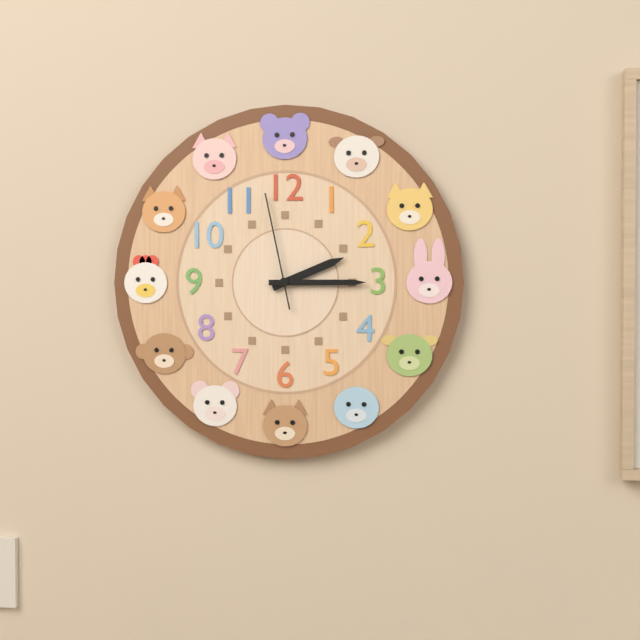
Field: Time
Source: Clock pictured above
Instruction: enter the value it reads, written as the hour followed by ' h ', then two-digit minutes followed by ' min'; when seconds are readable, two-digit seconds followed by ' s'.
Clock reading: 2 h 15 min 58 s
